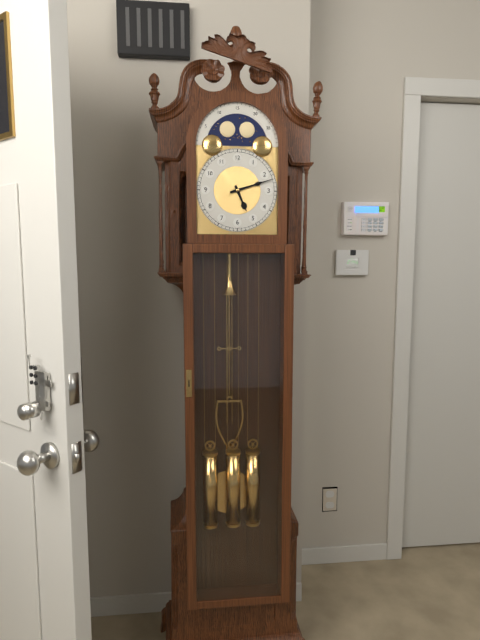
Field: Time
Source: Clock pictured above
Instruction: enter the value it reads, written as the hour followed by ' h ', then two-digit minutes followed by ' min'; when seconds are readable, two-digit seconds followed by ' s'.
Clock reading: 5 h 12 min
